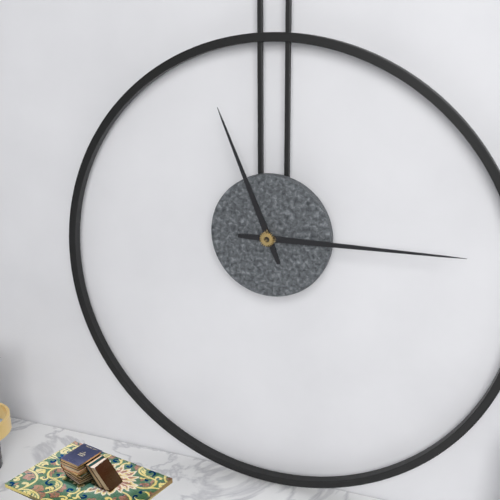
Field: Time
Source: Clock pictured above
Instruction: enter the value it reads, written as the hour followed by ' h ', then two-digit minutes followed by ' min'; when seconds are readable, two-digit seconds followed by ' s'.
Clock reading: 11 h 15 min
